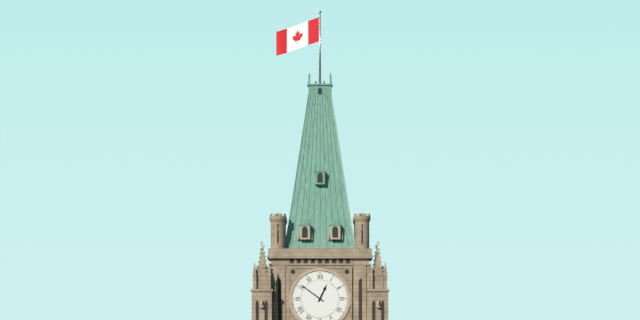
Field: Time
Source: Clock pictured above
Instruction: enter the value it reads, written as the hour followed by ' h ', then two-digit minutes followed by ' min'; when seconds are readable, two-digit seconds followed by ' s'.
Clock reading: 12 h 51 min
